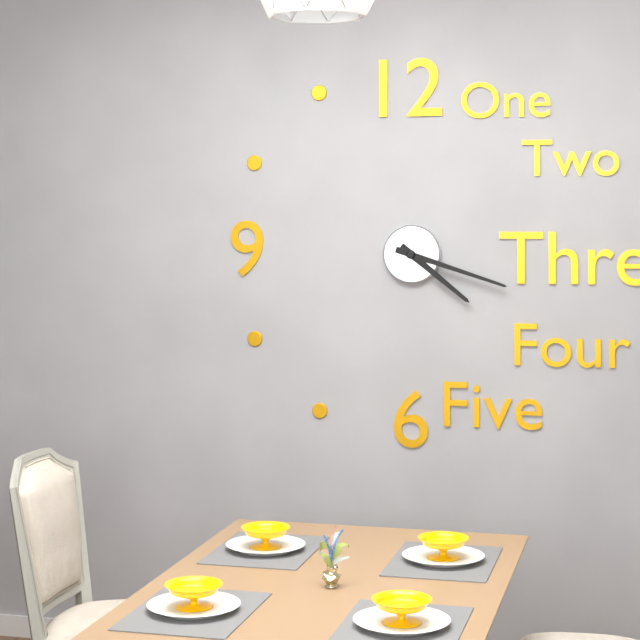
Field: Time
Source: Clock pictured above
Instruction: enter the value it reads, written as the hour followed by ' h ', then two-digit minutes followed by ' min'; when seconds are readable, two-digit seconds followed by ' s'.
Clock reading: 4 h 18 min
